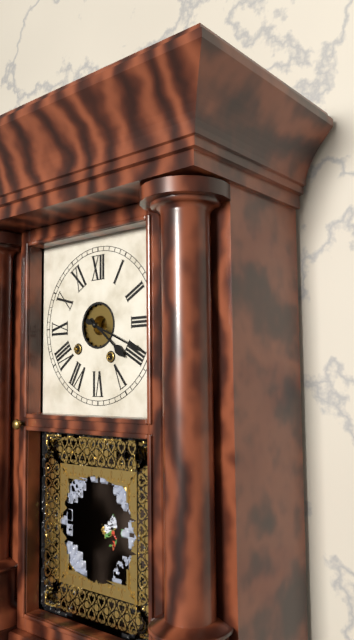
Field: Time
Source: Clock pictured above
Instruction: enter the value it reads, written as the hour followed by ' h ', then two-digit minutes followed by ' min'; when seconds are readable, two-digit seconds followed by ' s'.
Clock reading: 4 h 19 min
